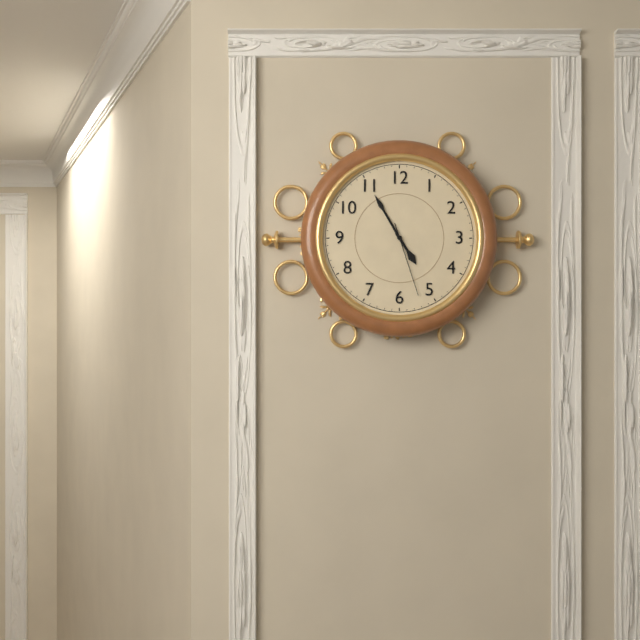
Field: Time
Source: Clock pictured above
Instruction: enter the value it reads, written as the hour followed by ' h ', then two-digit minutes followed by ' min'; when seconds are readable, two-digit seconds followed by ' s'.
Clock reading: 4 h 55 min 27 s
